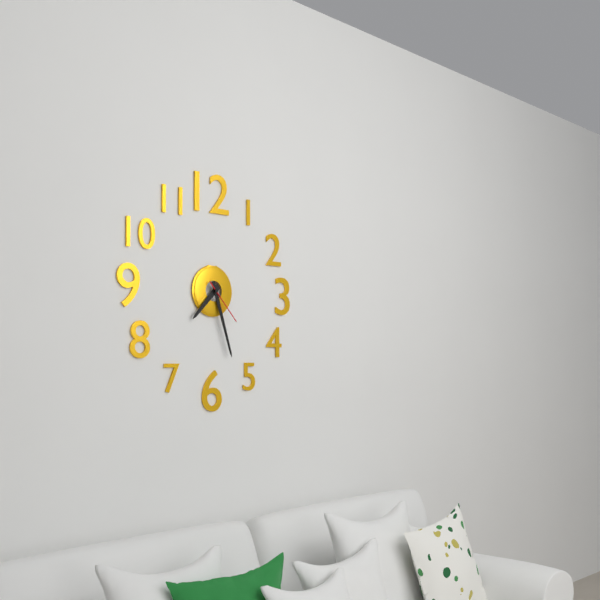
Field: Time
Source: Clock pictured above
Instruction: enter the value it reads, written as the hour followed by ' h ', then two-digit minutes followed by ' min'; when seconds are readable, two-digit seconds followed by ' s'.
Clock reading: 7 h 27 min
